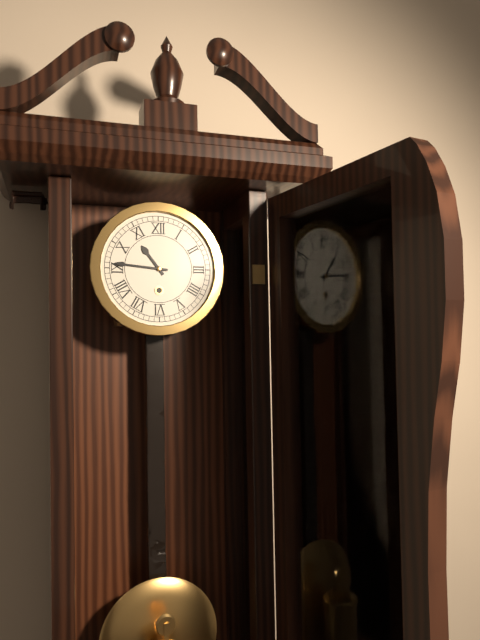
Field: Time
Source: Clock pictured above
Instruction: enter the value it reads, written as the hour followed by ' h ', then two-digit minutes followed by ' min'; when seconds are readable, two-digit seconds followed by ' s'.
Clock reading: 10 h 46 min
